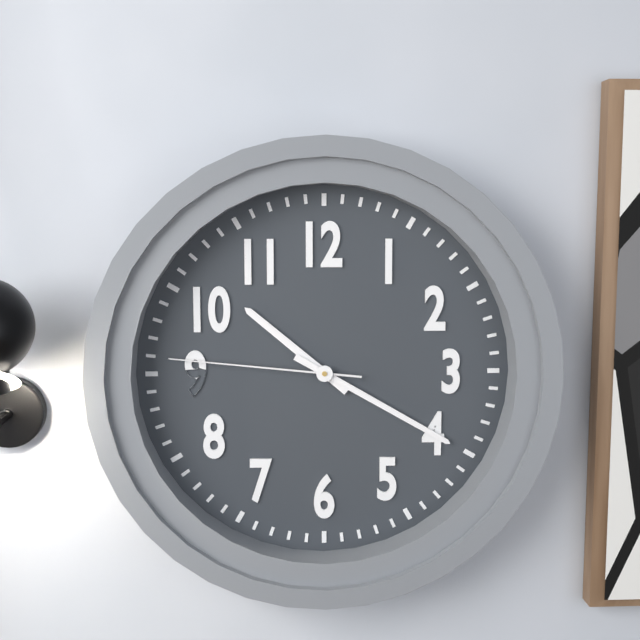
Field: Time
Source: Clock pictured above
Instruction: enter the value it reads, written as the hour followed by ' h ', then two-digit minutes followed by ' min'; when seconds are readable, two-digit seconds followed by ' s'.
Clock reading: 10 h 20 min 46 s
